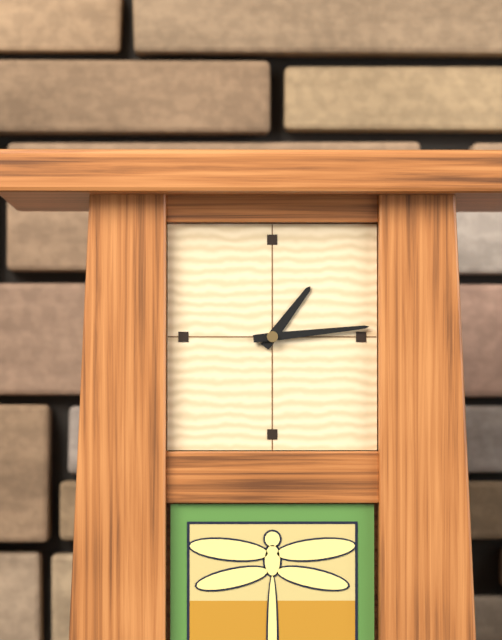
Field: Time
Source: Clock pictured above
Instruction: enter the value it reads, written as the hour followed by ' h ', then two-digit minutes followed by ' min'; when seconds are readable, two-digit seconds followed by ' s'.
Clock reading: 1 h 14 min
